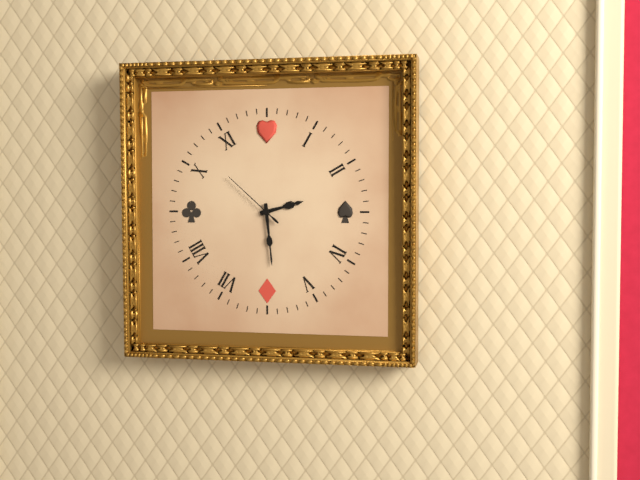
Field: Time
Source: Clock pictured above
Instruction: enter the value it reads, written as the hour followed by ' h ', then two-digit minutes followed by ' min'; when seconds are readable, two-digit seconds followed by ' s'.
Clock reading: 2 h 29 min 52 s
